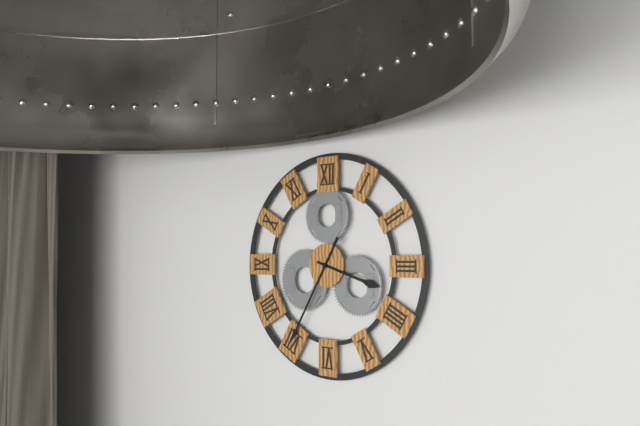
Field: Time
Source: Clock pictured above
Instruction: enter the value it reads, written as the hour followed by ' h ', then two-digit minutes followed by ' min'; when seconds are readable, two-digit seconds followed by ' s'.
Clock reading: 3 h 35 min
